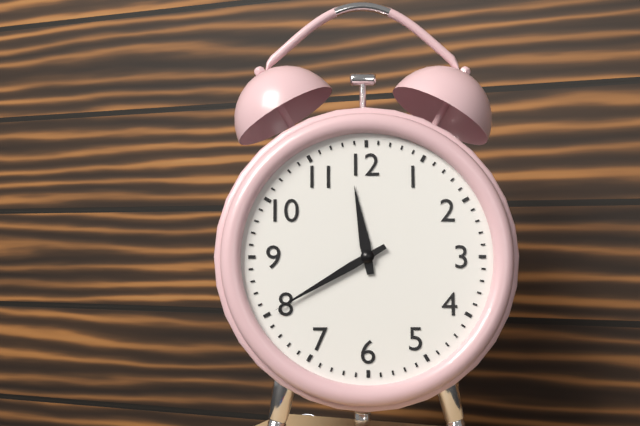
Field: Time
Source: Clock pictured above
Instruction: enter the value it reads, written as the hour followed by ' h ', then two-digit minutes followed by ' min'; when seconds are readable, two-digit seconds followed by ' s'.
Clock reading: 11 h 40 min
